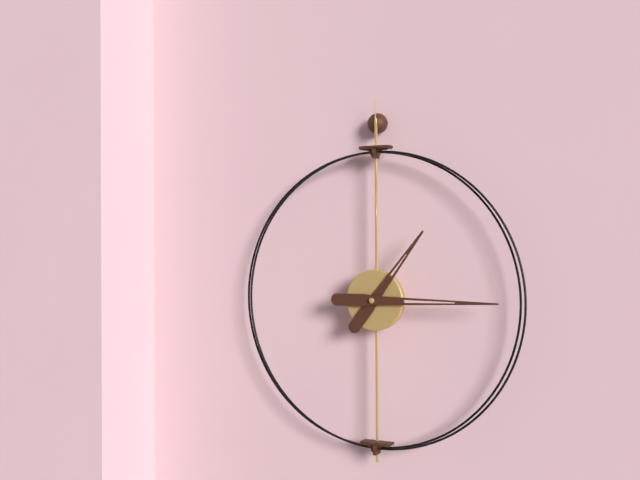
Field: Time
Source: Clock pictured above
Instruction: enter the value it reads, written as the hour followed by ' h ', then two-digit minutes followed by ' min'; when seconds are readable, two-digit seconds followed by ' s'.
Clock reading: 1 h 15 min
